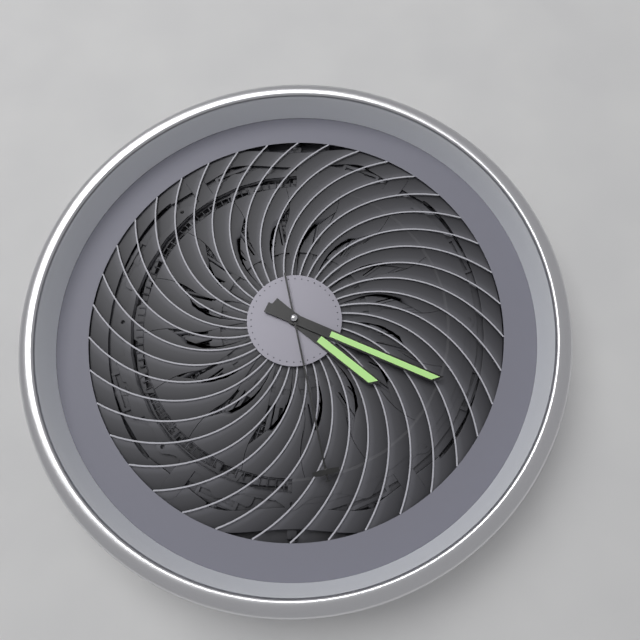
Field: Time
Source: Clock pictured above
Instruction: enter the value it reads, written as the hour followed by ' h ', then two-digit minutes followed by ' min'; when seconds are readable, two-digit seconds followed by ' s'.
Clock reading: 4 h 19 min 28 s
